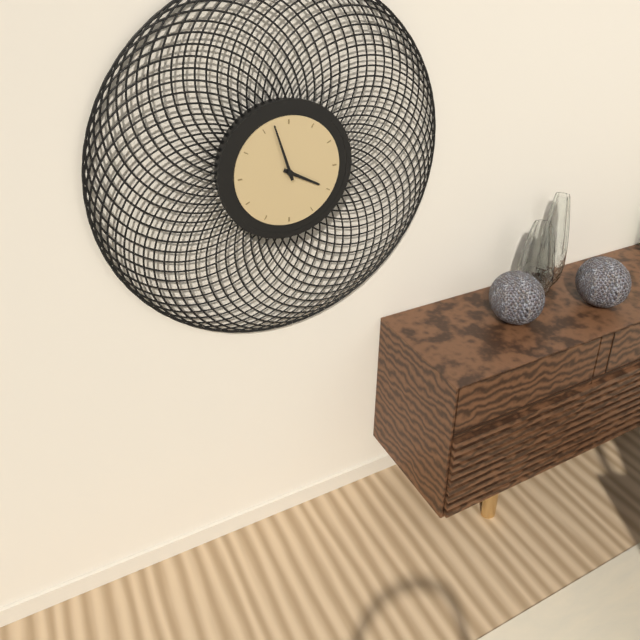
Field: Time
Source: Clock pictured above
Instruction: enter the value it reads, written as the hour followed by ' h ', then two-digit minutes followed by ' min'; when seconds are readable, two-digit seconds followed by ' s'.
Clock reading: 3 h 57 min
